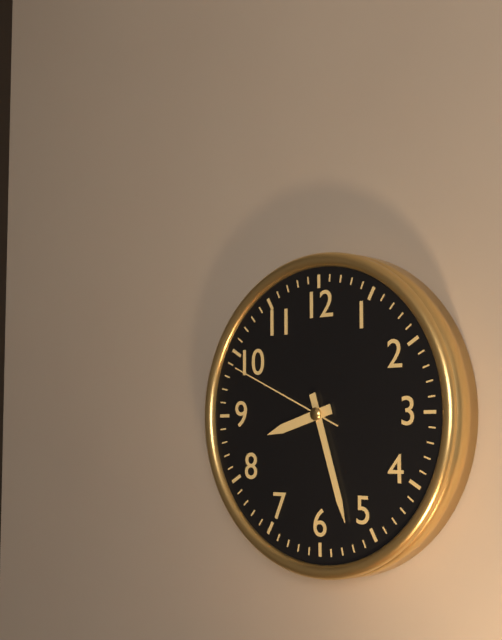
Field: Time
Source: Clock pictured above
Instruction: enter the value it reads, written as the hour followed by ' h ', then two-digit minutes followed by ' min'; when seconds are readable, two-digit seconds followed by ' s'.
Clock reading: 8 h 27 min 49 s
